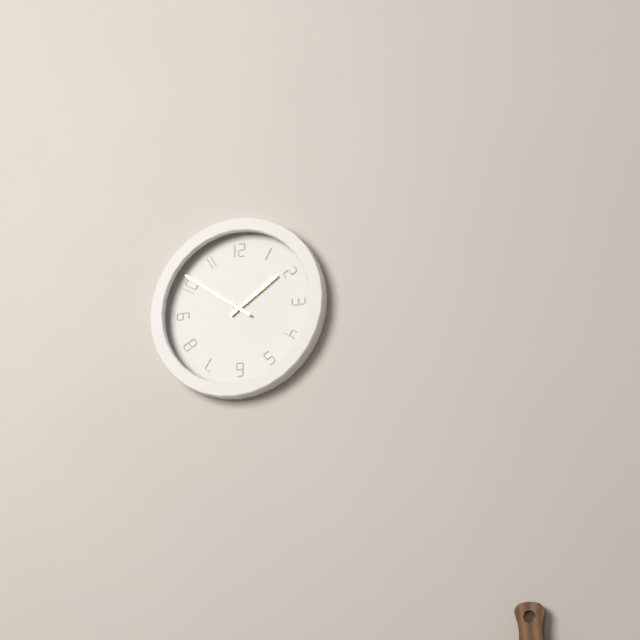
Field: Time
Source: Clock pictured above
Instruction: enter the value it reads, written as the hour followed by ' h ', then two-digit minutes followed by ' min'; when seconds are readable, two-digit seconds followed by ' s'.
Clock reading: 1 h 51 min
